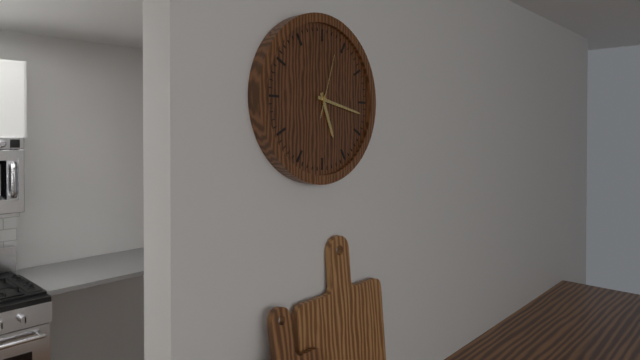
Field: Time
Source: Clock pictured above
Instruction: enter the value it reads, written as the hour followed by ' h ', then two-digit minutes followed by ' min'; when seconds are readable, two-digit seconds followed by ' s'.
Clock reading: 5 h 17 min 03 s
